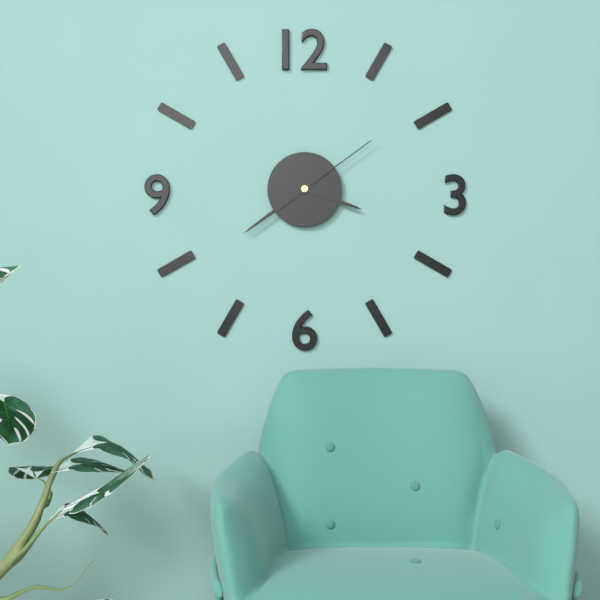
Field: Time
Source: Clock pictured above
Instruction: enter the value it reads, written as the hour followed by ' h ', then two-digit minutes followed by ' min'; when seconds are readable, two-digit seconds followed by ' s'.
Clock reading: 3 h 39 min 09 s
